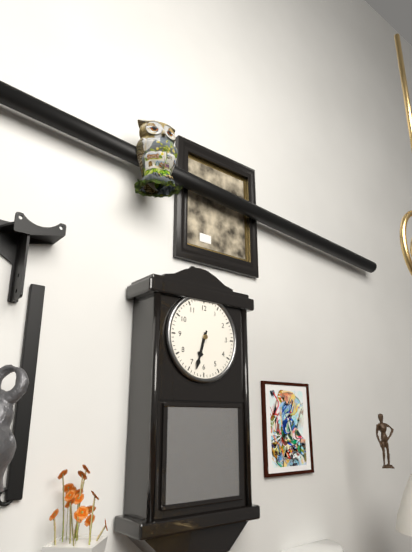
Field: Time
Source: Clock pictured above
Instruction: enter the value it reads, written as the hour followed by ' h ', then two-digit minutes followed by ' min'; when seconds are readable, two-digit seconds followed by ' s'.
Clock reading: 6 h 33 min
